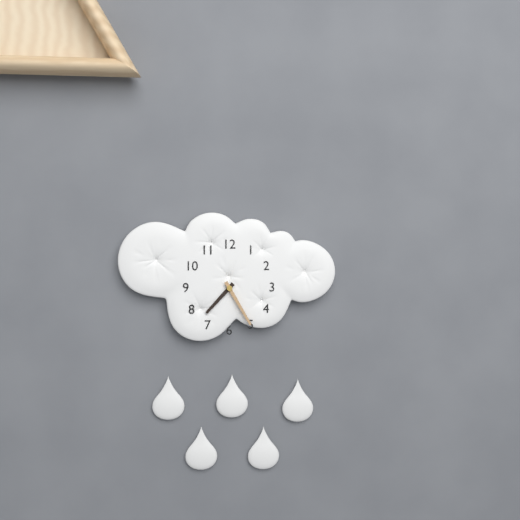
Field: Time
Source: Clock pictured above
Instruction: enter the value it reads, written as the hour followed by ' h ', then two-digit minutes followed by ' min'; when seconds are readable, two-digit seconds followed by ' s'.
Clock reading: 7 h 25 min
